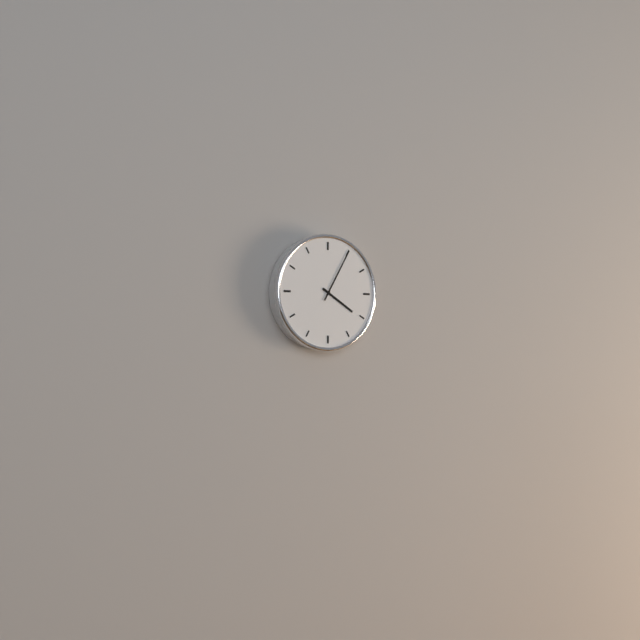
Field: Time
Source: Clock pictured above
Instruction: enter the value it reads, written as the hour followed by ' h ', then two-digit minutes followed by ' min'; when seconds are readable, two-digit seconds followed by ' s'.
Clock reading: 4 h 05 min
